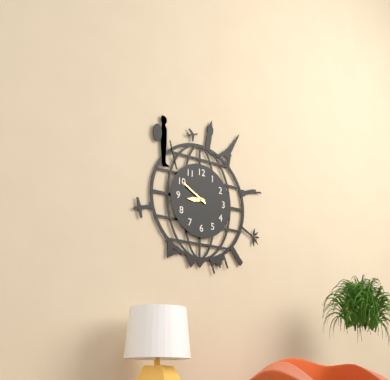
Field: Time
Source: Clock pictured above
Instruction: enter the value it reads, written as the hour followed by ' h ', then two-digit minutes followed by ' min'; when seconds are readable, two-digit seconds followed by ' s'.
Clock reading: 8 h 50 min
